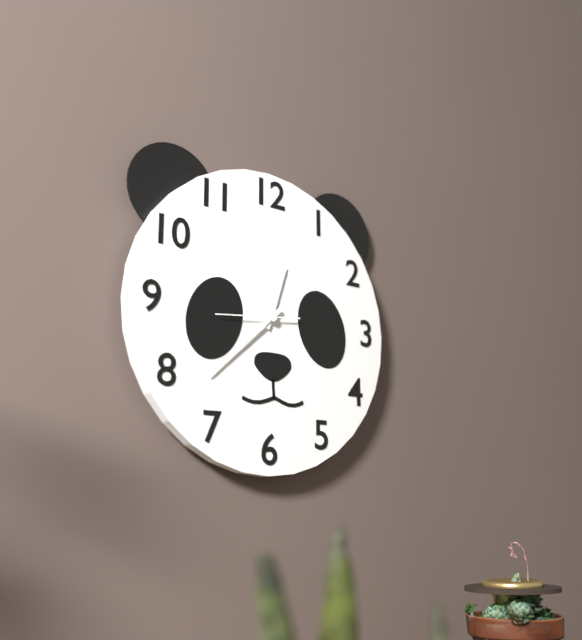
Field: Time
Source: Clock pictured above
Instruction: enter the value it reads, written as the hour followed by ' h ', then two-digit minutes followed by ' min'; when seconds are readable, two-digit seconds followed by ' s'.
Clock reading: 12 h 38 min 44 s
